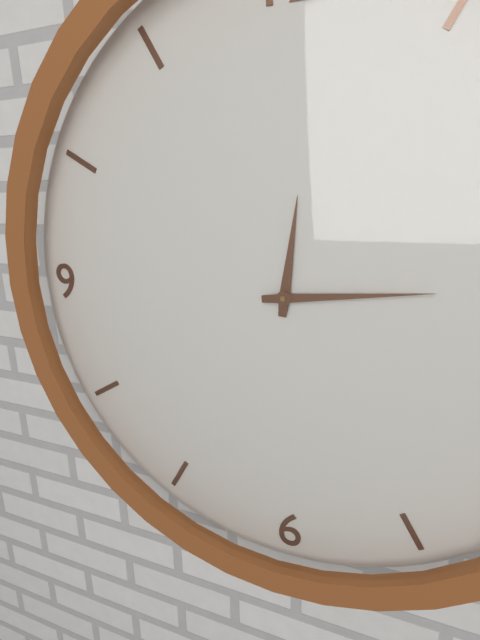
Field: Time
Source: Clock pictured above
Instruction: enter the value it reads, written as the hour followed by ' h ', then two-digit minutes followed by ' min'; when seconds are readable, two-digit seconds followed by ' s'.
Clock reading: 12 h 14 min
